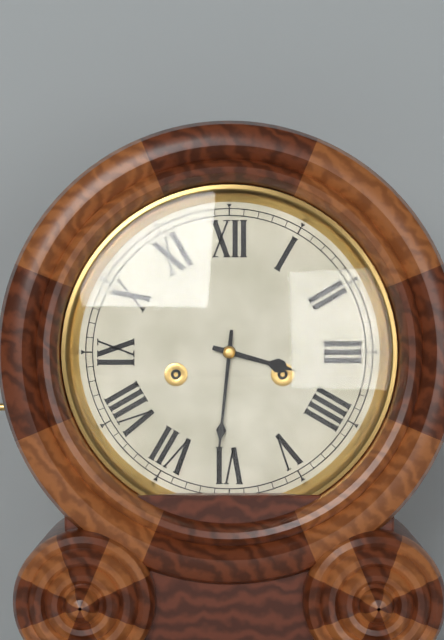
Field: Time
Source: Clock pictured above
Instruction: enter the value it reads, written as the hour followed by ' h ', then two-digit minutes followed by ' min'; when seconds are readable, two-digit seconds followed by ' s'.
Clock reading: 3 h 31 min
